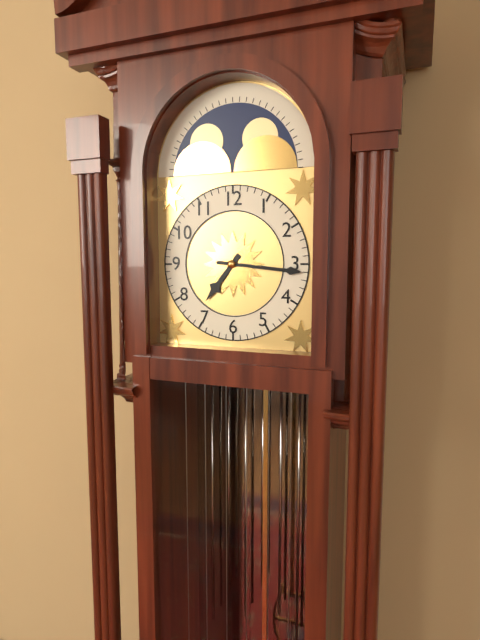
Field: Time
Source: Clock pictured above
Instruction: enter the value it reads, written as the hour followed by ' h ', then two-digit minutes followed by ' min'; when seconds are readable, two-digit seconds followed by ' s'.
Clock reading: 7 h 16 min
